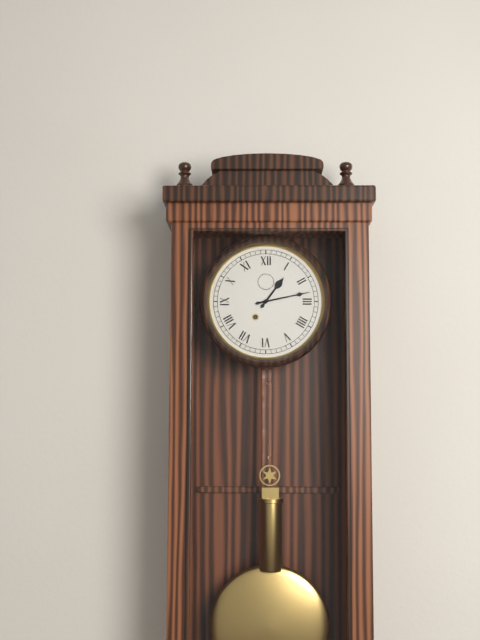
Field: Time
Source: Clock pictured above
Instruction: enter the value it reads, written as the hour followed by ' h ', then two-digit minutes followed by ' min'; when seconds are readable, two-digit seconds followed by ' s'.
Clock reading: 1 h 13 min
